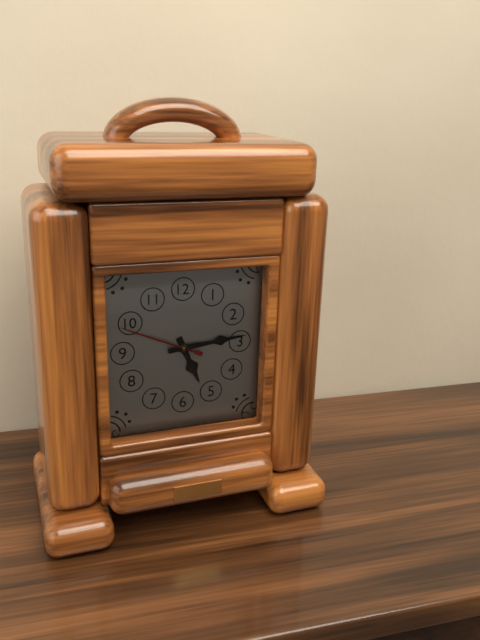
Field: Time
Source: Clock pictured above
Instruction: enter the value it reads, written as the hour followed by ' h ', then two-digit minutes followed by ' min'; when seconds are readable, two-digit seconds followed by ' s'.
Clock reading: 5 h 14 min 49 s
